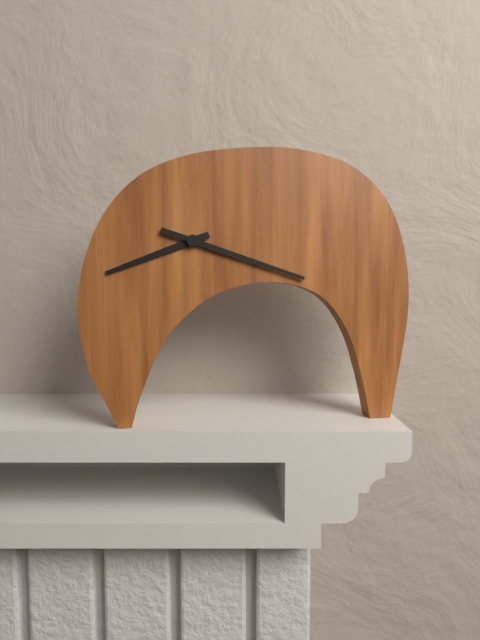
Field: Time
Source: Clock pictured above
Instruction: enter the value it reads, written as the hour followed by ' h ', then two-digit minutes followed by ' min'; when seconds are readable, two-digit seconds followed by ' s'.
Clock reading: 8 h 18 min
